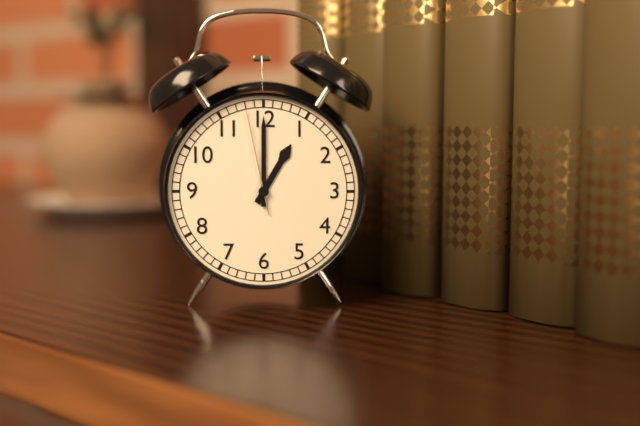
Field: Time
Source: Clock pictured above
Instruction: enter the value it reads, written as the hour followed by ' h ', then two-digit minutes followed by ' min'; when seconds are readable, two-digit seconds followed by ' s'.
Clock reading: 1 h 00 min 58 s
